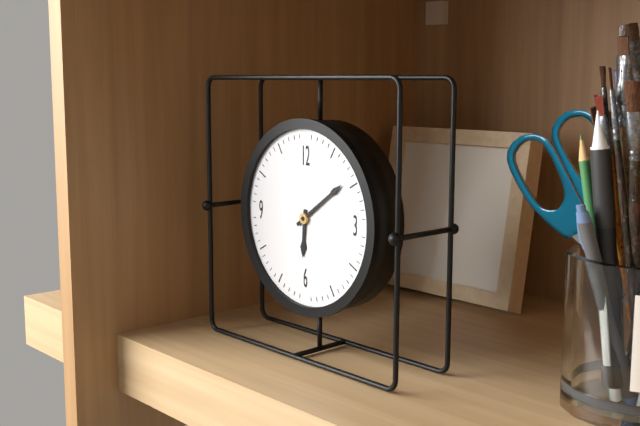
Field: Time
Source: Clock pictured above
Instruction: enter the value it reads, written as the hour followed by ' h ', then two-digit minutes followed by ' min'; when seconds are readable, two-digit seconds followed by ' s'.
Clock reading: 6 h 09 min
